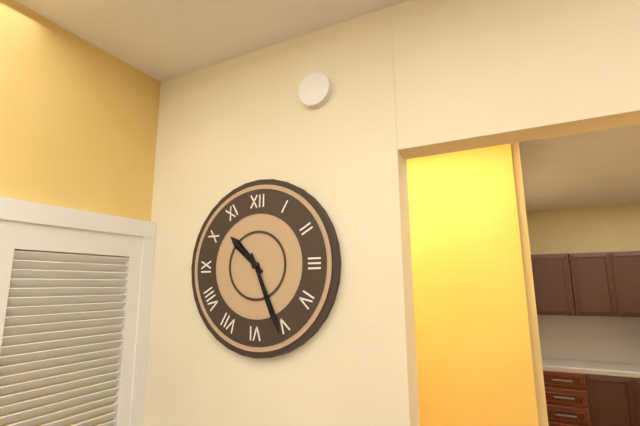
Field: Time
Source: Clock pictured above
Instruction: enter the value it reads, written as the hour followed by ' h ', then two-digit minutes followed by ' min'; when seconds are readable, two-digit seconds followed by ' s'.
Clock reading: 10 h 26 min
